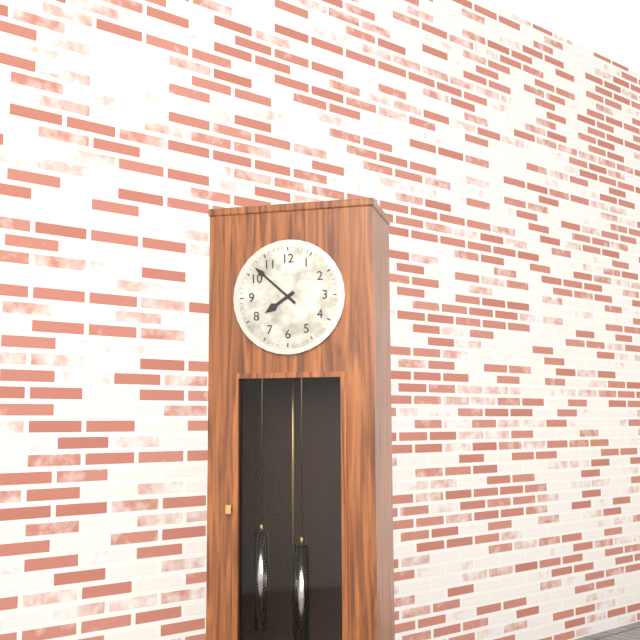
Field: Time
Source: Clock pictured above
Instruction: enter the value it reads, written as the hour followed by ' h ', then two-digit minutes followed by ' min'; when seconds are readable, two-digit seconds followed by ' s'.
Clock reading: 7 h 52 min
